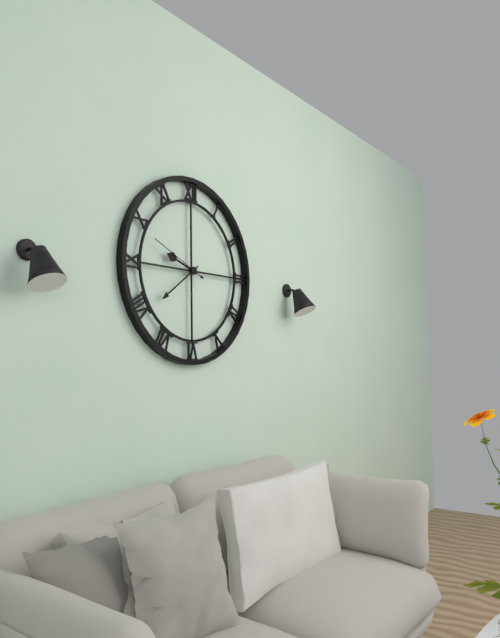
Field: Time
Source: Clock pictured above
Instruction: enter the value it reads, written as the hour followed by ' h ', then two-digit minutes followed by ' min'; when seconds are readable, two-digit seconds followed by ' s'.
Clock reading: 9 h 39 min 49 s
